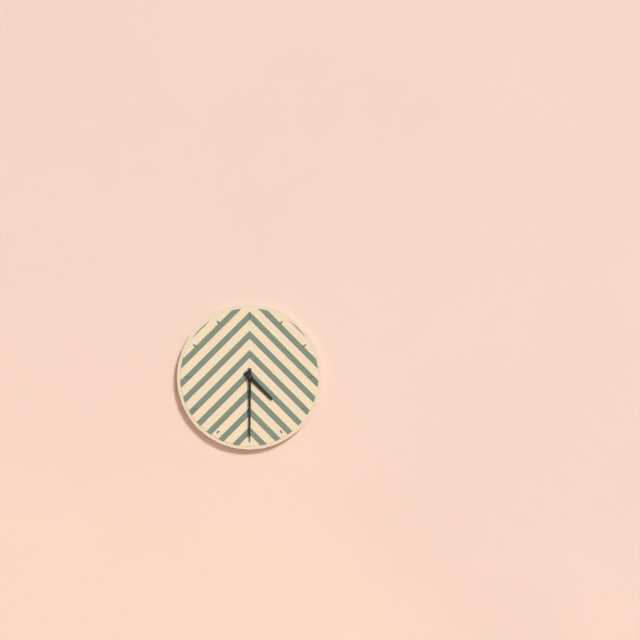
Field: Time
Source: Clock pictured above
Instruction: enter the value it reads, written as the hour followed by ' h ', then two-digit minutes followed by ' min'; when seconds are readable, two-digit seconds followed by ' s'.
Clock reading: 4 h 30 min
